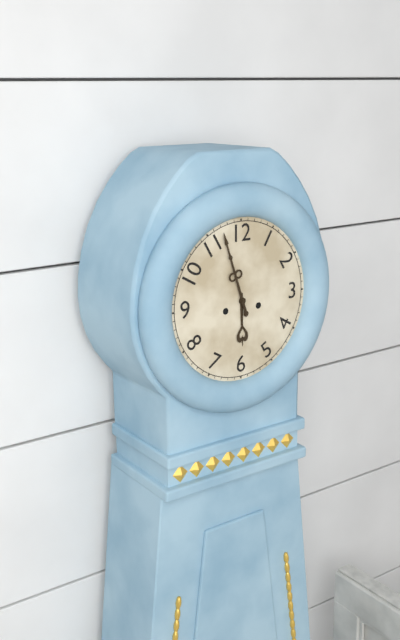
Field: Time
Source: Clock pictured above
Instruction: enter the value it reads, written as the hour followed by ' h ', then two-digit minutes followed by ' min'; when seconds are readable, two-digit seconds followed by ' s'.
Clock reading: 5 h 57 min
